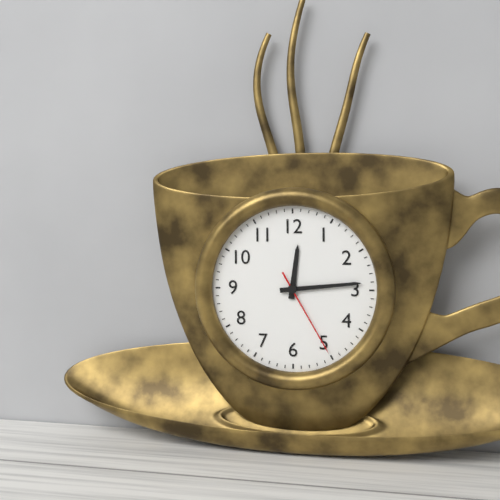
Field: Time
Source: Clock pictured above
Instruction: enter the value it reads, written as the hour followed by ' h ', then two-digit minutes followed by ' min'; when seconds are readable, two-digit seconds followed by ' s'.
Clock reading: 12 h 14 min 25 s
